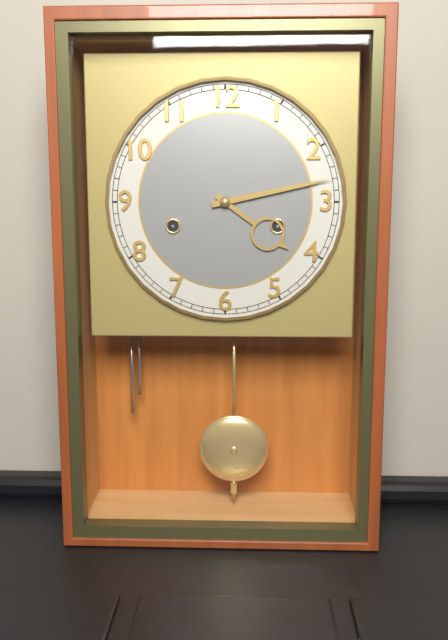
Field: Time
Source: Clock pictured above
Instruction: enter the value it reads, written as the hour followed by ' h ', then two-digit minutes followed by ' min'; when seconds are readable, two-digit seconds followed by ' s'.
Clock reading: 4 h 13 min
